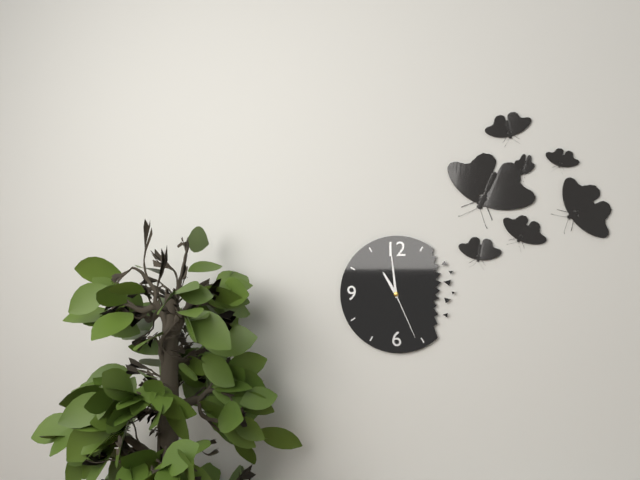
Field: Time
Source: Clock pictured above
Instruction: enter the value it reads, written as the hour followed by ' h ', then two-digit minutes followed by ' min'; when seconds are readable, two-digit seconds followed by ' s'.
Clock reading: 10 h 59 min 26 s
